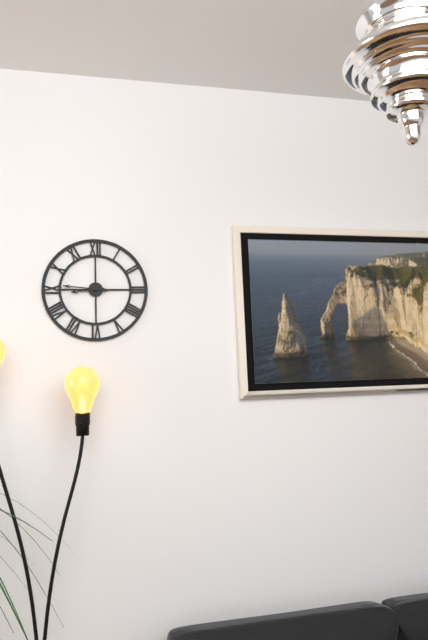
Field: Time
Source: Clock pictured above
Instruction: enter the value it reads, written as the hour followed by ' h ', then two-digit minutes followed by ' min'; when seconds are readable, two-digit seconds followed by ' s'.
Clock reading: 8 h 46 min
